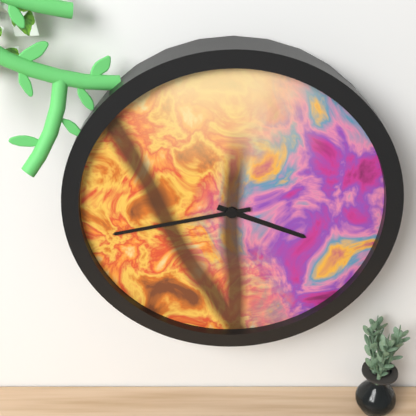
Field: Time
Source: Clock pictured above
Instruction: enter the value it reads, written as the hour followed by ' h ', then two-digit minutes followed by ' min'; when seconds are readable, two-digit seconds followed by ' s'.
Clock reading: 3 h 43 min
